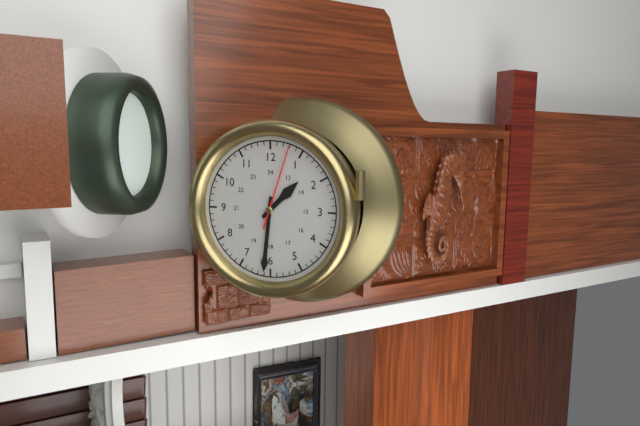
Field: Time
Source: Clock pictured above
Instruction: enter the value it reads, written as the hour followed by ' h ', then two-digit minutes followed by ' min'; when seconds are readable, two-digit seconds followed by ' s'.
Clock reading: 1 h 31 min 03 s
